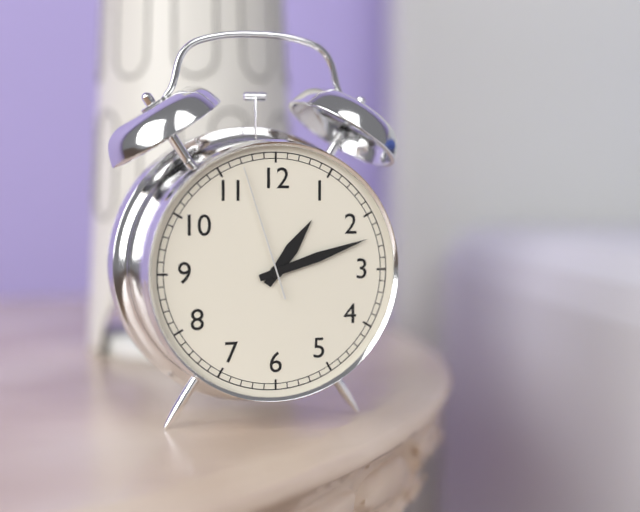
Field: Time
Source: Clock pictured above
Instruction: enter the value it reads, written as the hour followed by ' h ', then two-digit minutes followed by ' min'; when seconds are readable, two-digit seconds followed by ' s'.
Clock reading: 1 h 12 min 57 s
